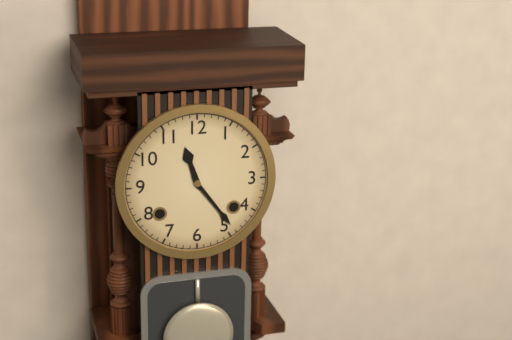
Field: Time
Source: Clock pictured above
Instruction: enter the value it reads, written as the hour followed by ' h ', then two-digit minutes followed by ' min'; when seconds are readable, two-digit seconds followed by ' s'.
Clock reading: 11 h 24 min
